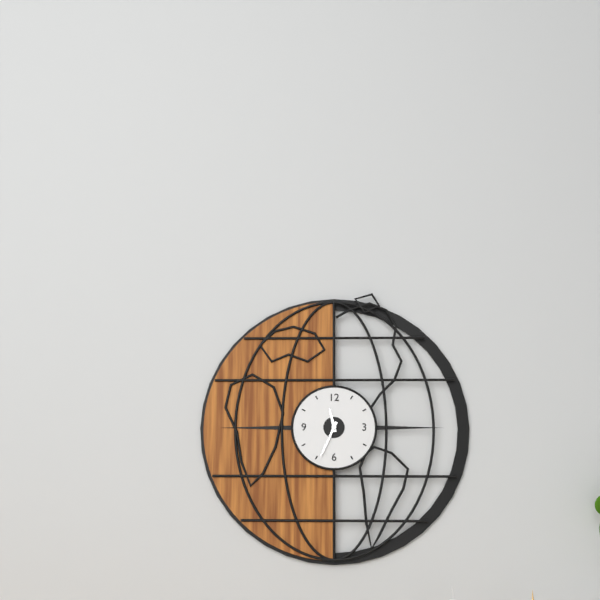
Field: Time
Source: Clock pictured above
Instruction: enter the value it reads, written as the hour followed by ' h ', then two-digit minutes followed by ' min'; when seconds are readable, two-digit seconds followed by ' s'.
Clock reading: 11 h 34 min
